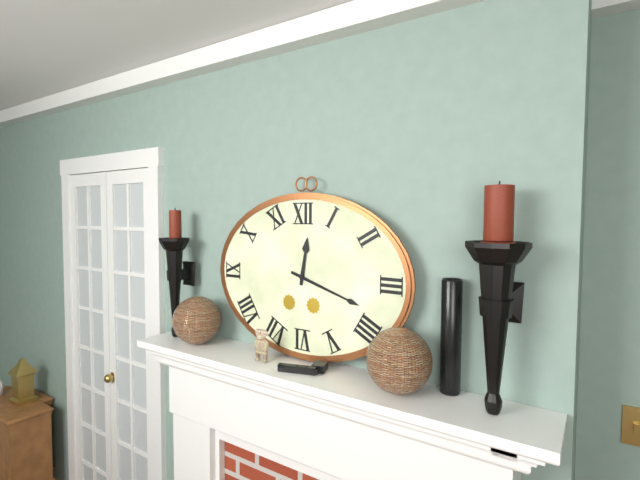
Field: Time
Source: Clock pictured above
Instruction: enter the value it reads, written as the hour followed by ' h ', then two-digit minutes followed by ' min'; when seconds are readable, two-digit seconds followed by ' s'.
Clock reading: 12 h 18 min
